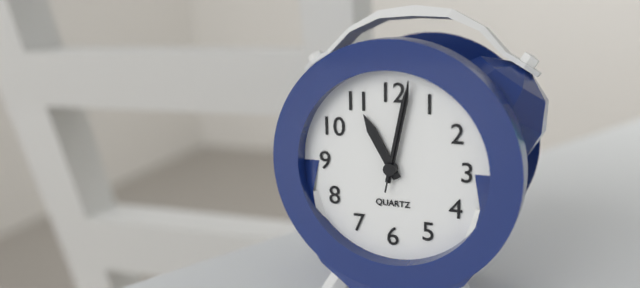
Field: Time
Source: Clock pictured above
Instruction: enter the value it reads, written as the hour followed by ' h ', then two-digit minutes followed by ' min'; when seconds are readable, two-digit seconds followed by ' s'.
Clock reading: 11 h 02 min 02 s
